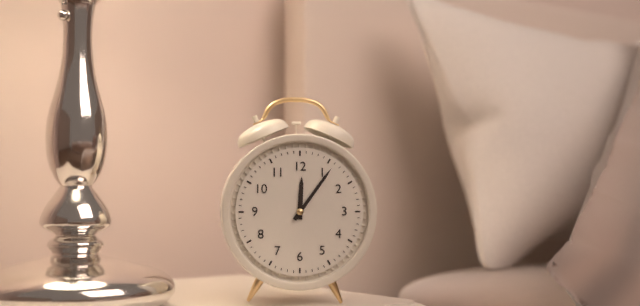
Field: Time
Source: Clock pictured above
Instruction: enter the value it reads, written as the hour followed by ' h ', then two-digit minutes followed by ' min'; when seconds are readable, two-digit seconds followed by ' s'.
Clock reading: 12 h 06 min
